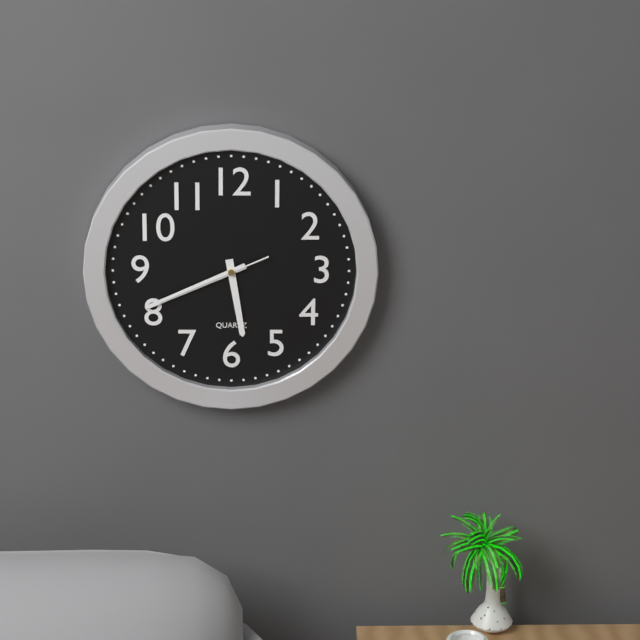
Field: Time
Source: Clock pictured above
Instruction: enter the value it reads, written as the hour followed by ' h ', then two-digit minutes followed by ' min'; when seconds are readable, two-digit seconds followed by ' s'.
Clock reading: 5 h 41 min 41 s
